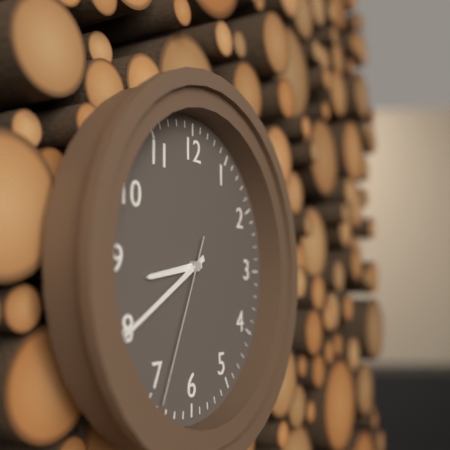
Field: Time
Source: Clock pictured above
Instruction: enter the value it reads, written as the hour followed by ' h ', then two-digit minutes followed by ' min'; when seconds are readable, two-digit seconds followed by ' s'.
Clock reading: 8 h 40 min 34 s
